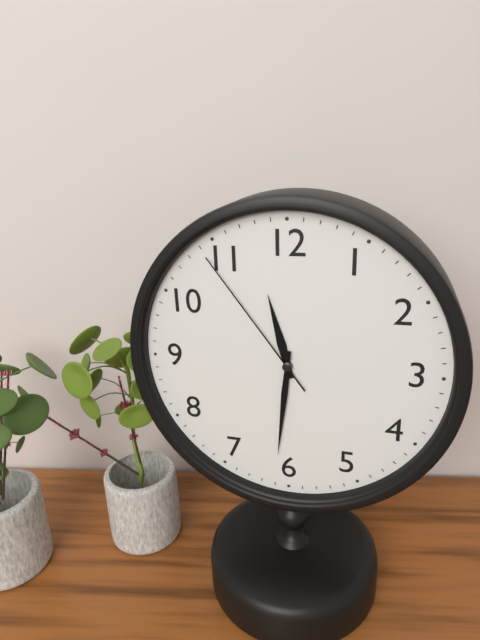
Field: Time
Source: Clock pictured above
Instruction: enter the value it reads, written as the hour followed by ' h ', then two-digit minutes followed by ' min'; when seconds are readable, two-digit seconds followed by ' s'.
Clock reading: 11 h 31 min 54 s
